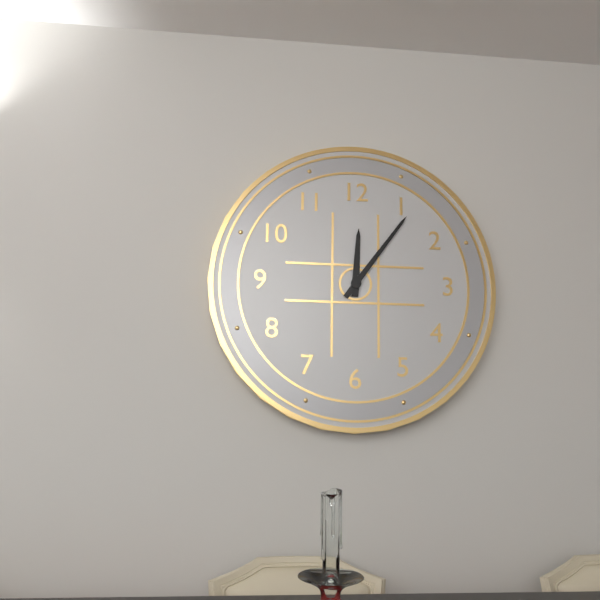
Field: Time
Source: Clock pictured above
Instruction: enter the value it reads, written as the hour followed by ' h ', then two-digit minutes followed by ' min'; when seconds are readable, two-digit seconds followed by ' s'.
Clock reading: 12 h 06 min
